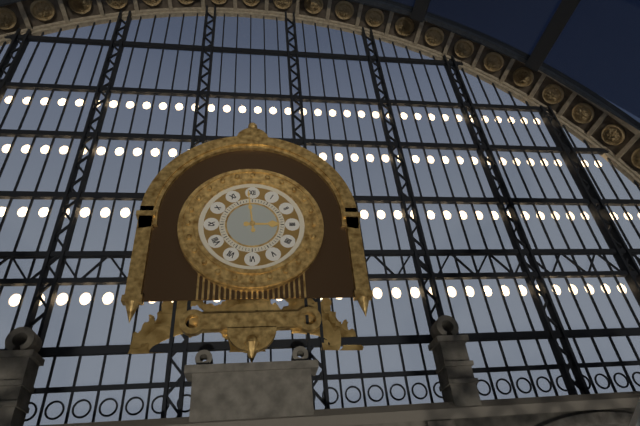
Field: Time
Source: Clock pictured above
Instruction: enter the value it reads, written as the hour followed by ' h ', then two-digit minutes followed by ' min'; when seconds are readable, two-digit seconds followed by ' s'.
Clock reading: 2 h 59 min
